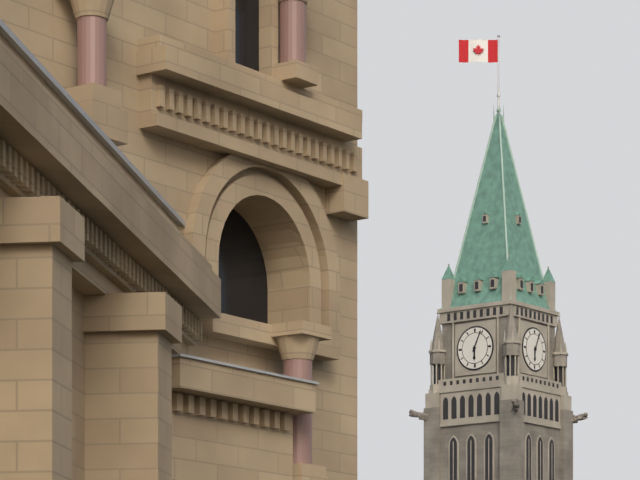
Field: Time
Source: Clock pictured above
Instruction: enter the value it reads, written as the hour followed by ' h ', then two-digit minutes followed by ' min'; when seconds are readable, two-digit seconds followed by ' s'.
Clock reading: 6 h 04 min
